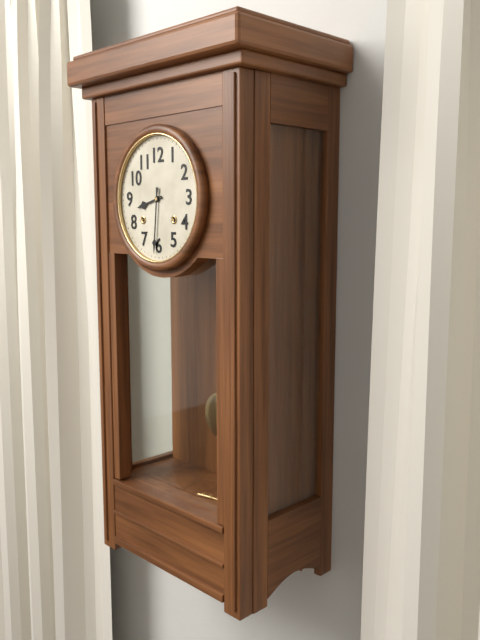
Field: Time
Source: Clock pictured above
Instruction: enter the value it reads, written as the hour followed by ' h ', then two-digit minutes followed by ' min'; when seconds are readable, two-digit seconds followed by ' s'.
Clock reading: 8 h 31 min
